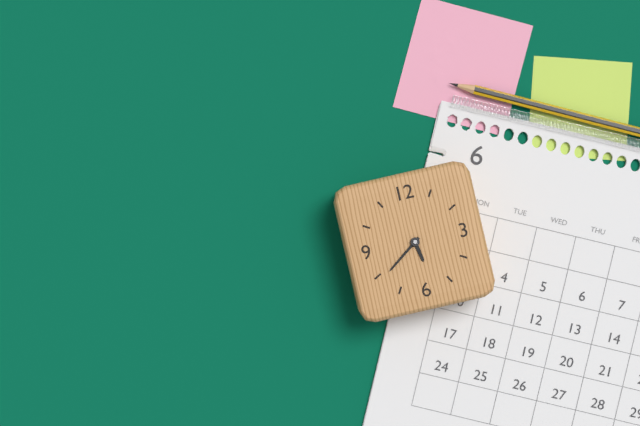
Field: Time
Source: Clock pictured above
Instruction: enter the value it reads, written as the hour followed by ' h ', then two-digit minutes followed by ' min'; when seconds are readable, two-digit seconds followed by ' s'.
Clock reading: 5 h 39 min
